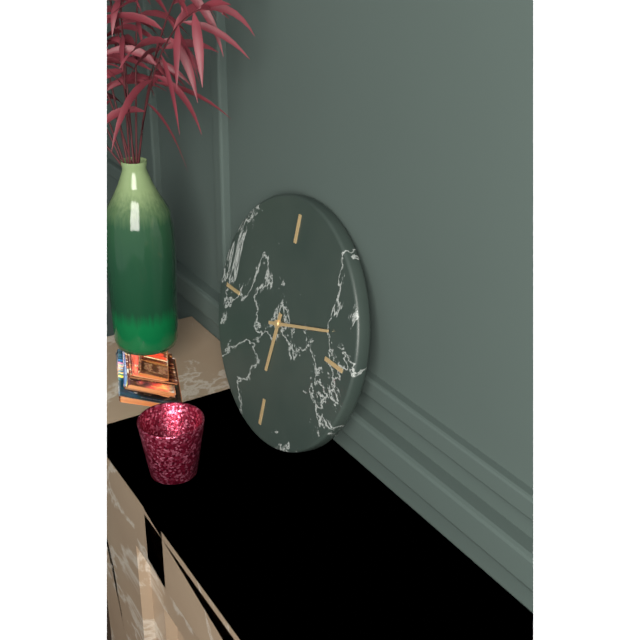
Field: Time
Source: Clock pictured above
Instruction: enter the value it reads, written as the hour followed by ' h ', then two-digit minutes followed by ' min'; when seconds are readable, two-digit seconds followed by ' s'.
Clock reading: 6 h 12 min
